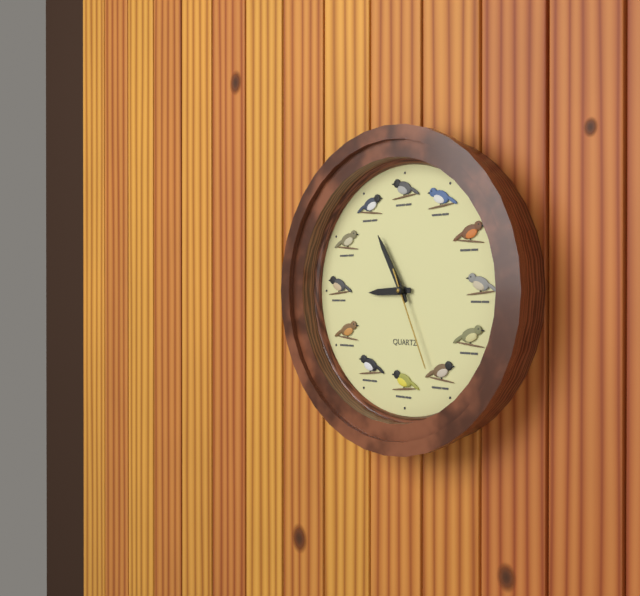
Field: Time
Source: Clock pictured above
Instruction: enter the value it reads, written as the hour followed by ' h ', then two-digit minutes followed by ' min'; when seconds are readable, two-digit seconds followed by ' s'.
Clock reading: 8 h 55 min 26 s
